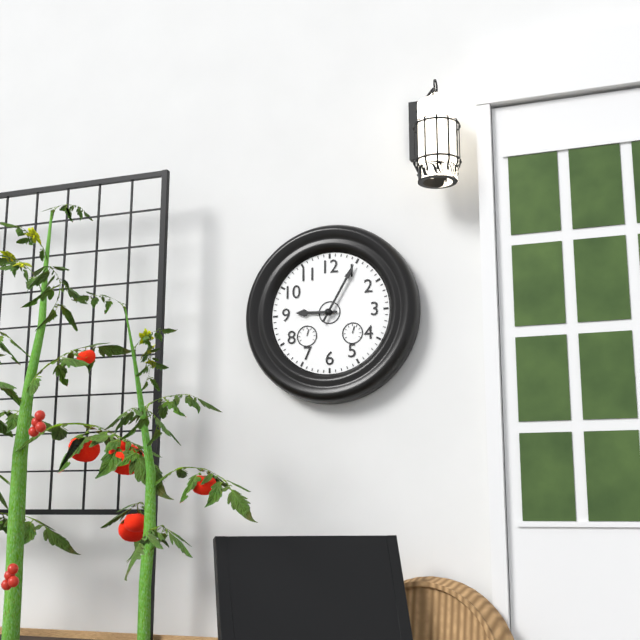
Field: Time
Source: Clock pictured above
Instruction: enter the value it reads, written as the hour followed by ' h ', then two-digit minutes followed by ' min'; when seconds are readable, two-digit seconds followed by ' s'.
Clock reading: 9 h 05 min
